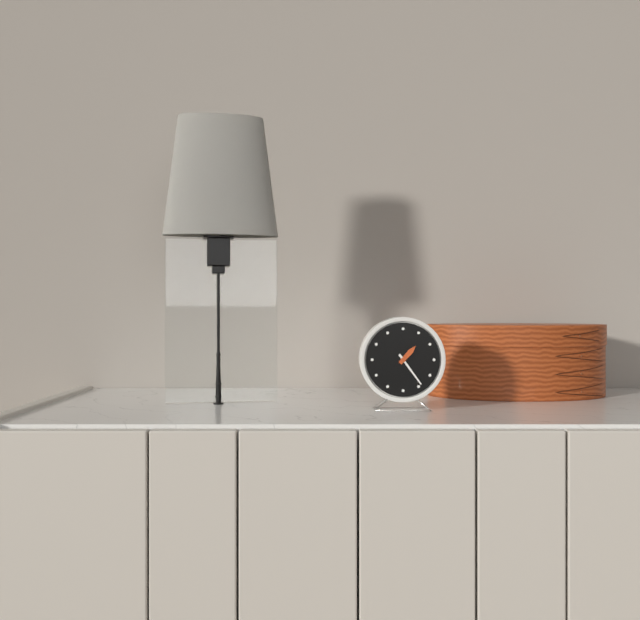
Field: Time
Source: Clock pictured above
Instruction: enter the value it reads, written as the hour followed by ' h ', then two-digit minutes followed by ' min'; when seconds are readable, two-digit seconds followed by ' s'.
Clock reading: 1 h 24 min
